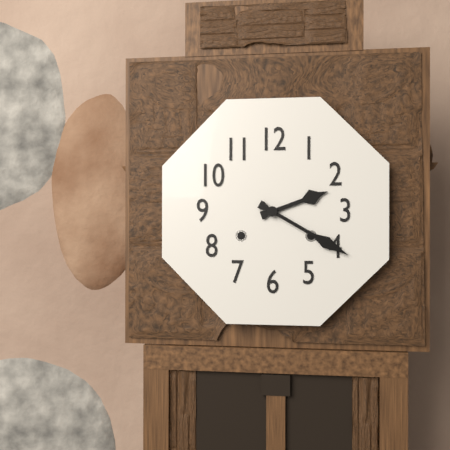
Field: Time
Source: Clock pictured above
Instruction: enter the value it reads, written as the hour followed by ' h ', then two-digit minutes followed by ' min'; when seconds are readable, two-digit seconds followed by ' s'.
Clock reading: 2 h 20 min
